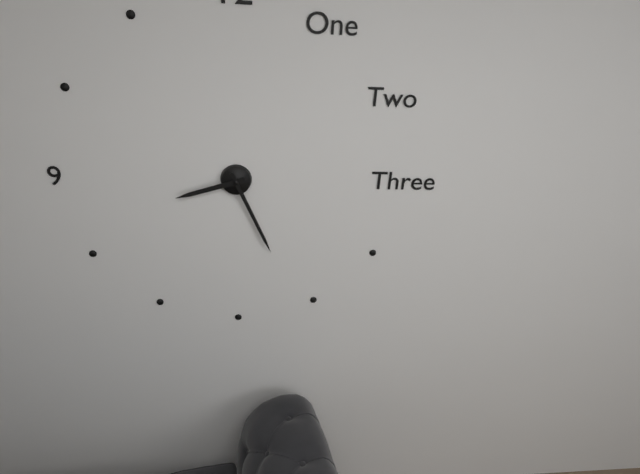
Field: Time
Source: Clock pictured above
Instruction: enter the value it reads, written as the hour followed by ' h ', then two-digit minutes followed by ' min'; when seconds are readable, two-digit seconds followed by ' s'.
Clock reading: 8 h 26 min
